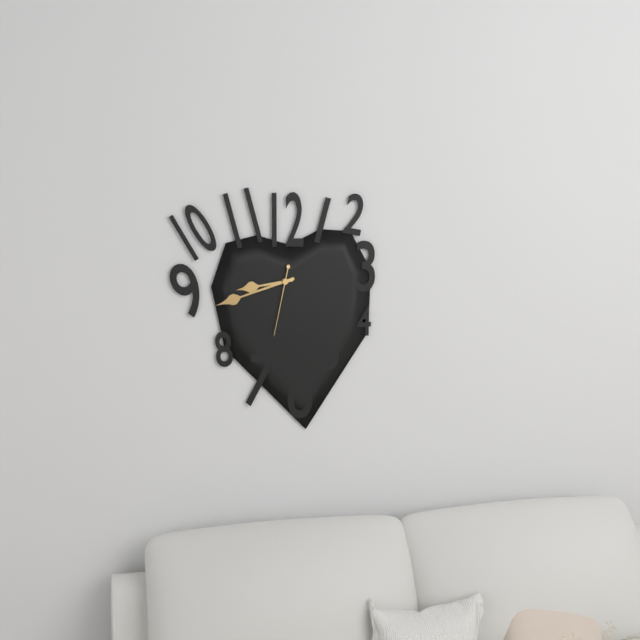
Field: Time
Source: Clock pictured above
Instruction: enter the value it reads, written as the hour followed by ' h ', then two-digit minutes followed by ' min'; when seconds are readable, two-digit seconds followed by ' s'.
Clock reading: 8 h 42 min 32 s
